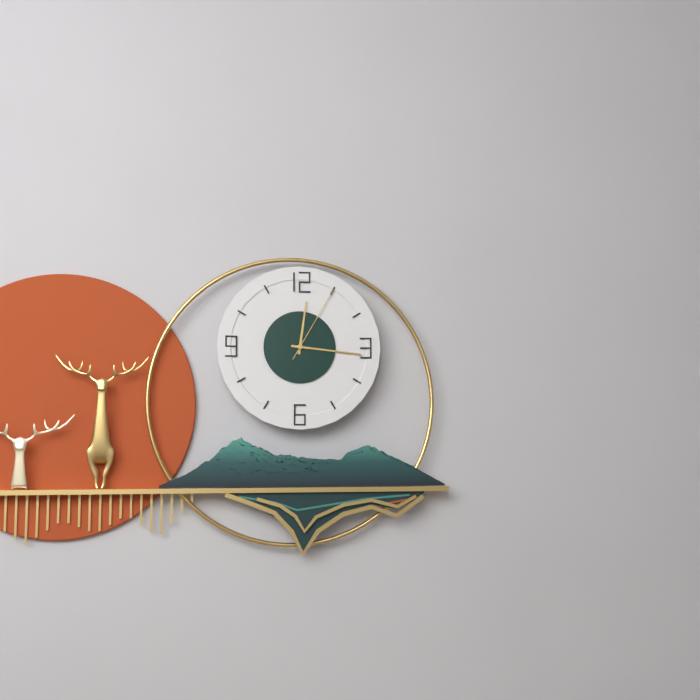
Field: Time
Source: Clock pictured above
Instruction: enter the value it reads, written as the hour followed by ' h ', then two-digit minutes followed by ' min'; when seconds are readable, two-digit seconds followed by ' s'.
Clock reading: 12 h 16 min 05 s
